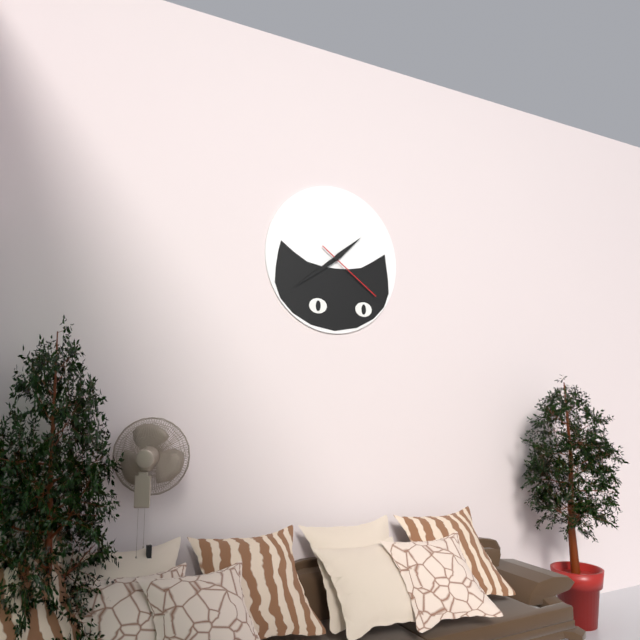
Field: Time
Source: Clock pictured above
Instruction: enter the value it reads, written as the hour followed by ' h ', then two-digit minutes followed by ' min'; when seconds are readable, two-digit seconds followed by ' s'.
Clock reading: 1 h 39 min 21 s
